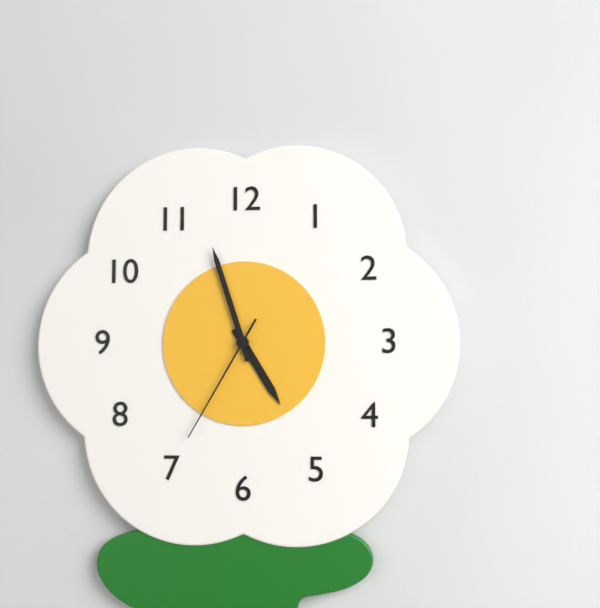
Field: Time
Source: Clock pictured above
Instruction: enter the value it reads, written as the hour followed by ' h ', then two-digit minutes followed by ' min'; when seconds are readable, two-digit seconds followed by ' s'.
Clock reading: 4 h 57 min 35 s
